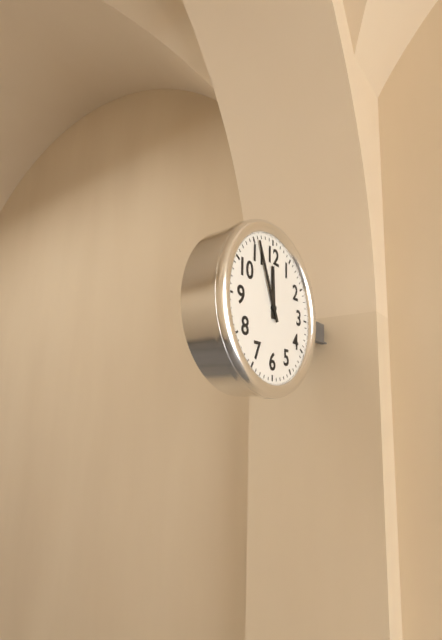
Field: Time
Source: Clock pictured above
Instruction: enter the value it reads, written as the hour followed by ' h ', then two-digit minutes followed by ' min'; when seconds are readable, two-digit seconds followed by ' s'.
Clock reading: 11 h 56 min
